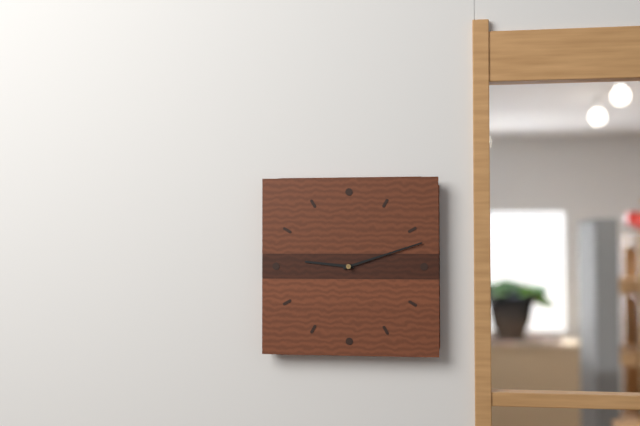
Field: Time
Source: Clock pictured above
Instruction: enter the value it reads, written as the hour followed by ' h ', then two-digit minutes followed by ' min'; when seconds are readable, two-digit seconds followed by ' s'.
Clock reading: 9 h 12 min
